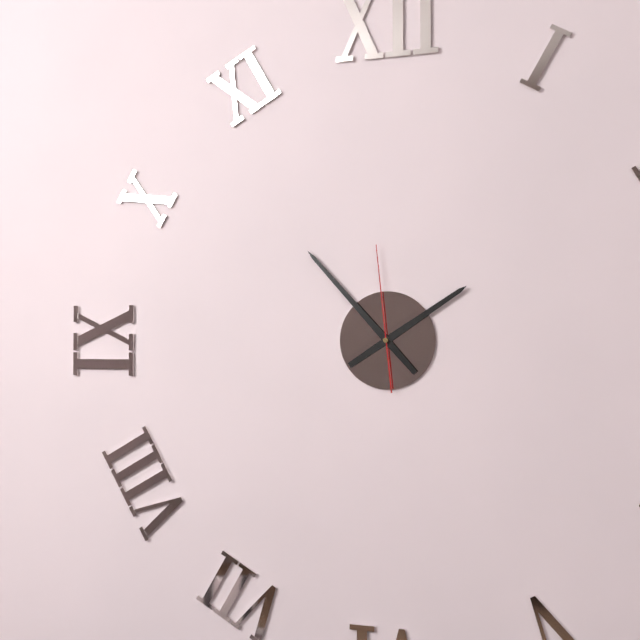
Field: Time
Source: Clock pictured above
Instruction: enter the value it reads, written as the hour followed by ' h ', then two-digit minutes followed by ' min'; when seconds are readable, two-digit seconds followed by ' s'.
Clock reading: 1 h 53 min 59 s
